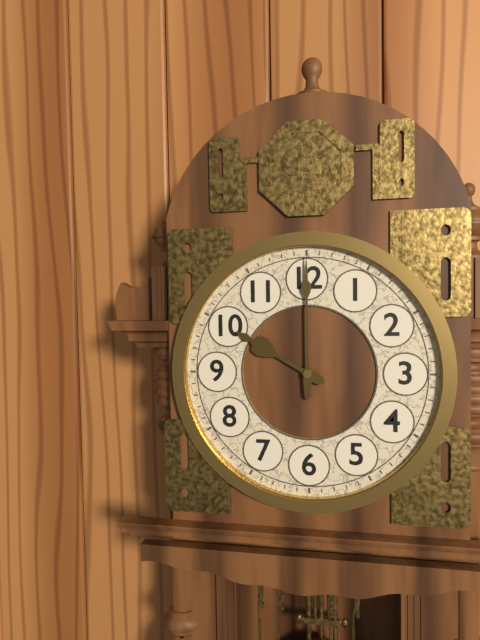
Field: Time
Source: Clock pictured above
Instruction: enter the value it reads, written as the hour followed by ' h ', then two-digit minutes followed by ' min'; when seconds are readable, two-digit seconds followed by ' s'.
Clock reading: 10 h 00 min
